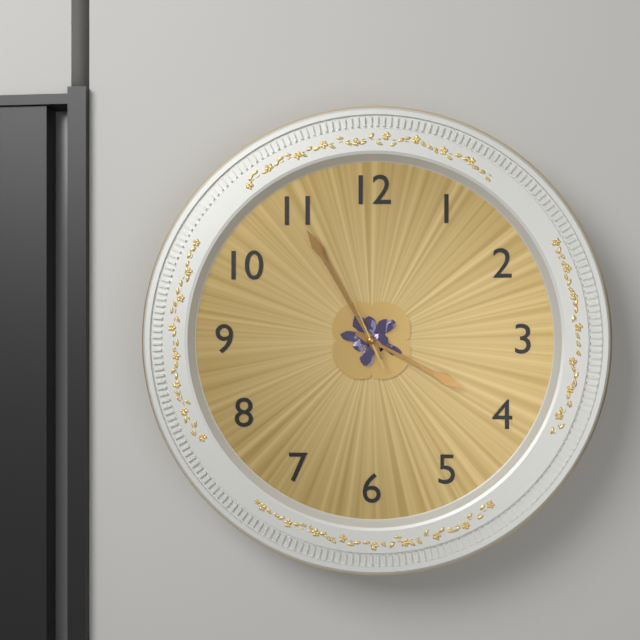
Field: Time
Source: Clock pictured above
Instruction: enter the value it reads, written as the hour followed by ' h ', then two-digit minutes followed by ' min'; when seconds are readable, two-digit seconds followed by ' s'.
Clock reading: 3 h 55 min 56 s
